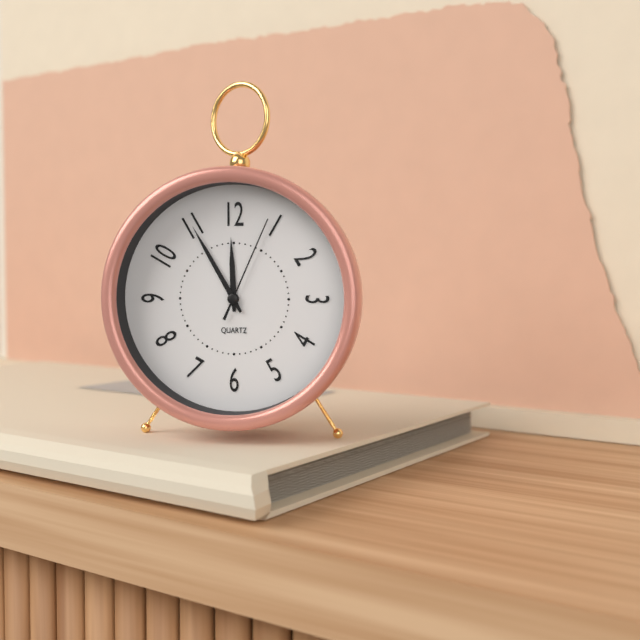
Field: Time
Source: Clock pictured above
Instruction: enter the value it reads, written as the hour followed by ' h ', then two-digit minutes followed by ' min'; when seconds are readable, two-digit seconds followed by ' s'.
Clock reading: 11 h 55 min 04 s
